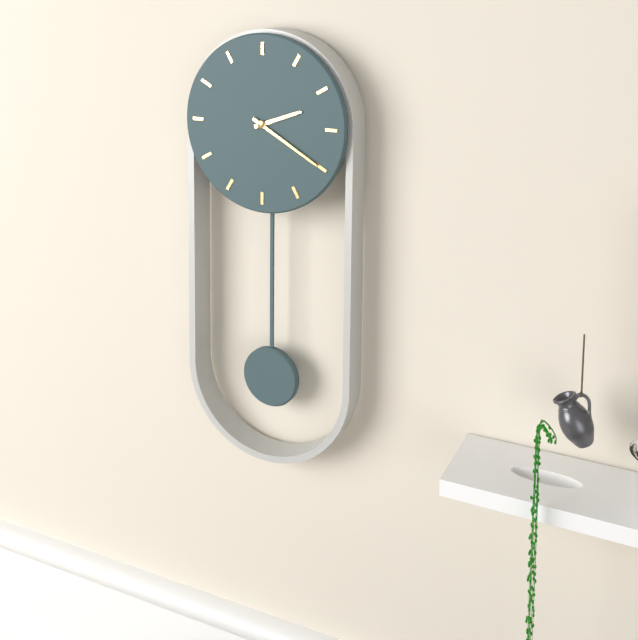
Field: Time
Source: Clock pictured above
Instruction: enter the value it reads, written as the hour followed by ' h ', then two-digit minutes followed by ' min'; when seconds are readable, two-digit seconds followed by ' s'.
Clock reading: 2 h 20 min
